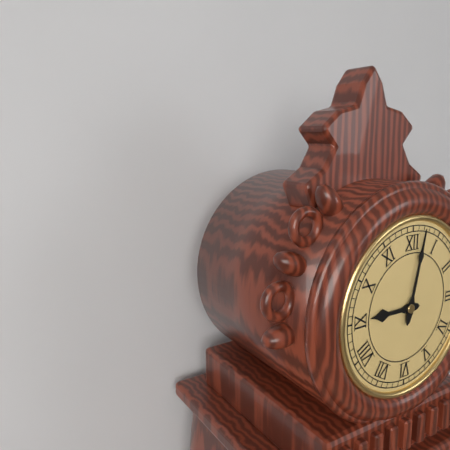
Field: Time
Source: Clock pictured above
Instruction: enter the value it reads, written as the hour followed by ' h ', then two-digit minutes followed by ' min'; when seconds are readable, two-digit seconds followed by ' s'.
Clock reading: 9 h 02 min
